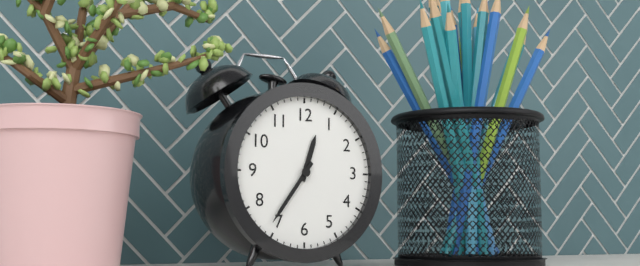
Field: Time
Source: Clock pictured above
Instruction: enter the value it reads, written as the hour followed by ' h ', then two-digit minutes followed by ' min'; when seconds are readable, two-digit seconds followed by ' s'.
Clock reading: 12 h 36 min
